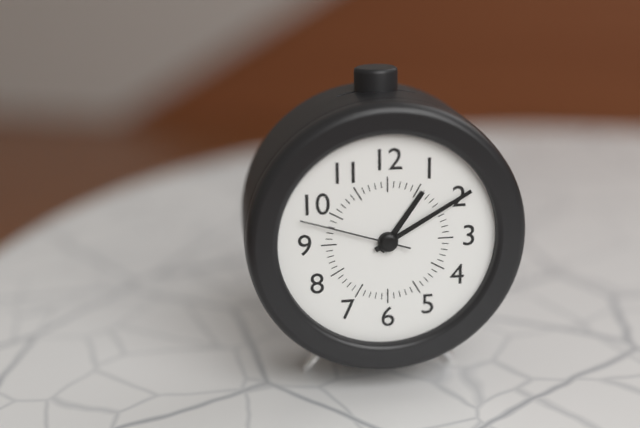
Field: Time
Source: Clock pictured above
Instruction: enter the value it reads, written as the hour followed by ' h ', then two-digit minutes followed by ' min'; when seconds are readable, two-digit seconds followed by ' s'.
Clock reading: 1 h 10 min 48 s
